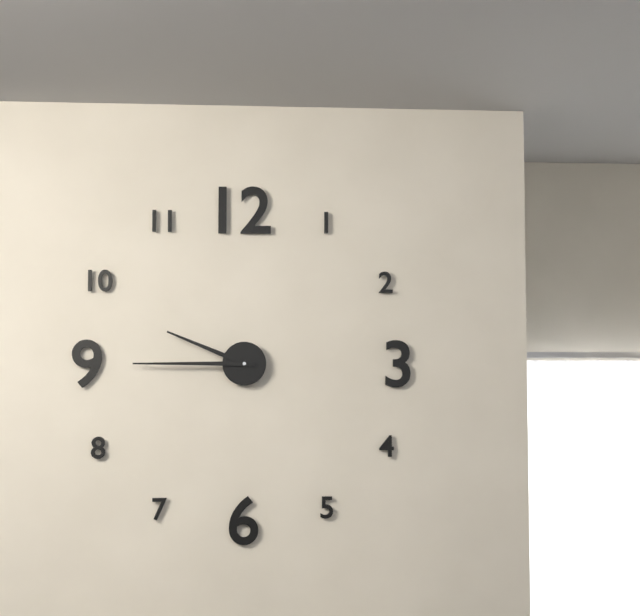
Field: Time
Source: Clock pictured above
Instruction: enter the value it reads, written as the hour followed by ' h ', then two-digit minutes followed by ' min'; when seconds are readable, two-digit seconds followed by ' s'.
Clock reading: 9 h 45 min
